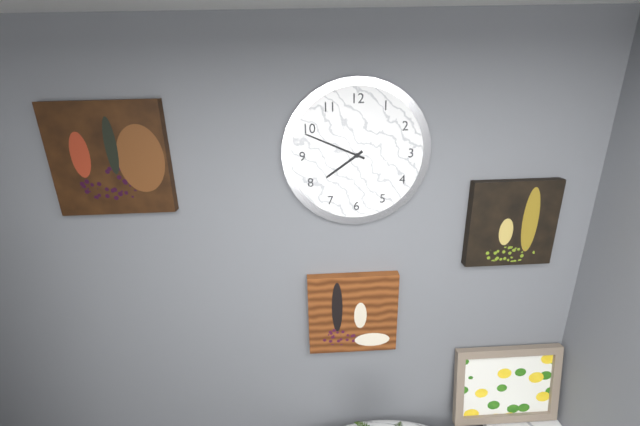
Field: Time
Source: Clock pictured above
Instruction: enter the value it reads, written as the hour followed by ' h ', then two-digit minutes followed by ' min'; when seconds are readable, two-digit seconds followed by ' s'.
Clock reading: 7 h 49 min
